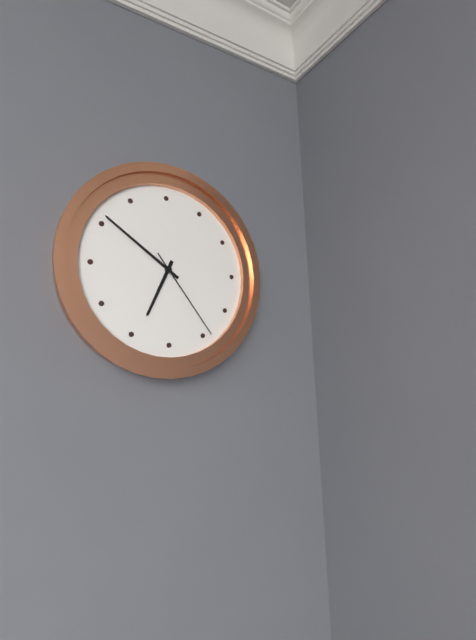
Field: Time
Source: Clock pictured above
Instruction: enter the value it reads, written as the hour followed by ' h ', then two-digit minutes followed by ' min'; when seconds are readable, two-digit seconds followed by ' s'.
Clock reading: 6 h 51 min 24 s
